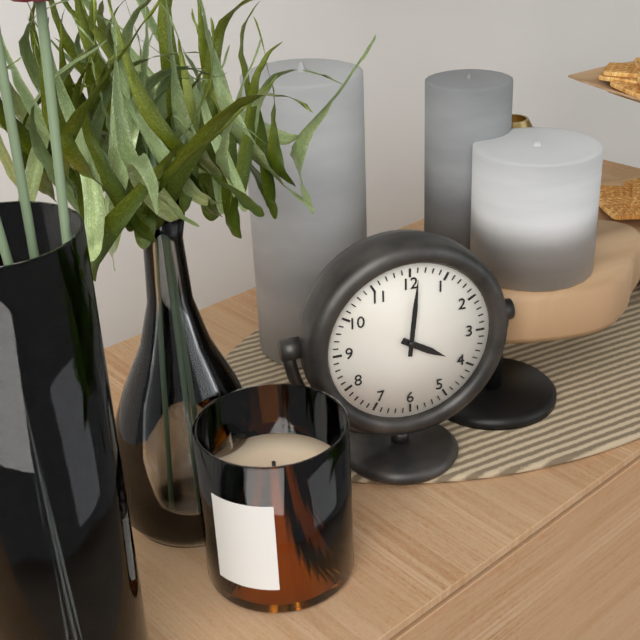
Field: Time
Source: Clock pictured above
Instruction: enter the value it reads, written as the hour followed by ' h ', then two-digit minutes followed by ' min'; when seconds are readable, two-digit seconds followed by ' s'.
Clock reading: 4 h 01 min
